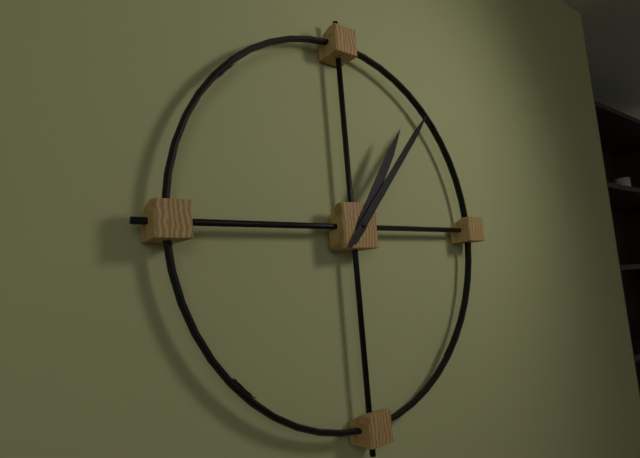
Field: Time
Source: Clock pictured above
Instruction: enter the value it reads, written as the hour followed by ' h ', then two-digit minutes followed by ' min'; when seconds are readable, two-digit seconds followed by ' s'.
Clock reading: 1 h 07 min
